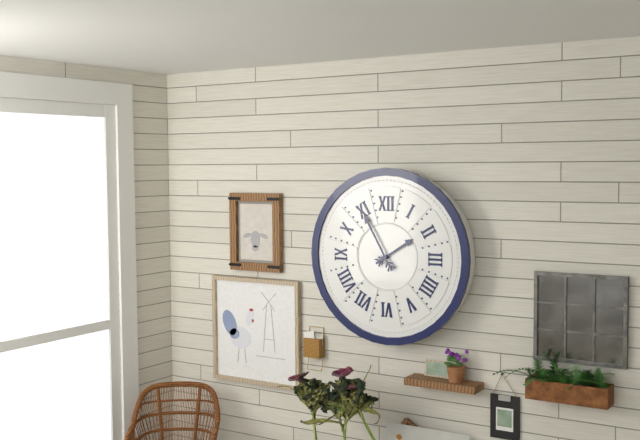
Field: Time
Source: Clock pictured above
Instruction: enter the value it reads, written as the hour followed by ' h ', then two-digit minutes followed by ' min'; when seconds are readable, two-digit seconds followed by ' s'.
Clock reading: 1 h 55 min
